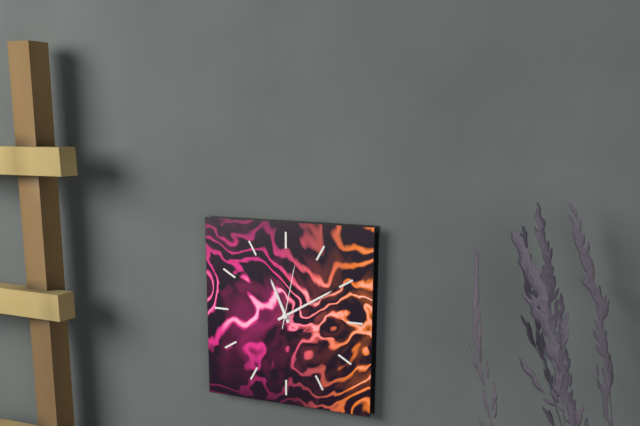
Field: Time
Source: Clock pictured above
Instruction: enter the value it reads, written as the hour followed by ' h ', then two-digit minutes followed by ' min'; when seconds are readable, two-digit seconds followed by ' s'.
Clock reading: 11 h 10 min 02 s
